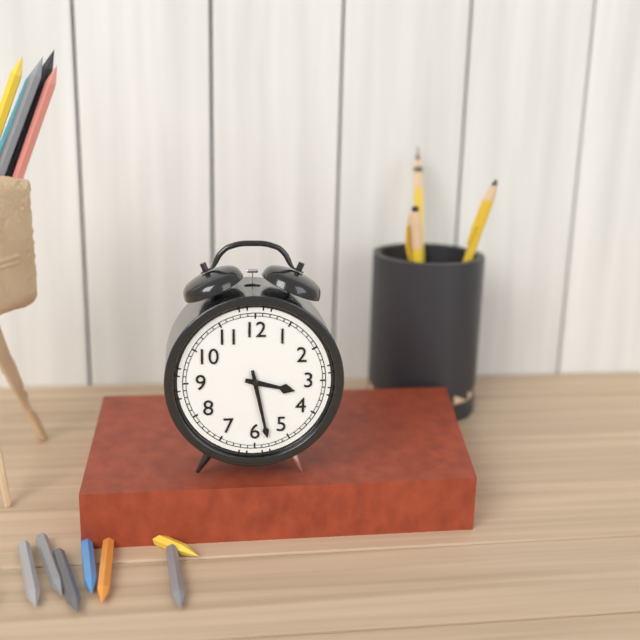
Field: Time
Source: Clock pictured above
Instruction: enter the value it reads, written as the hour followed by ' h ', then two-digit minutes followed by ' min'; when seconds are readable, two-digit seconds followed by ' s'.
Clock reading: 3 h 28 min
